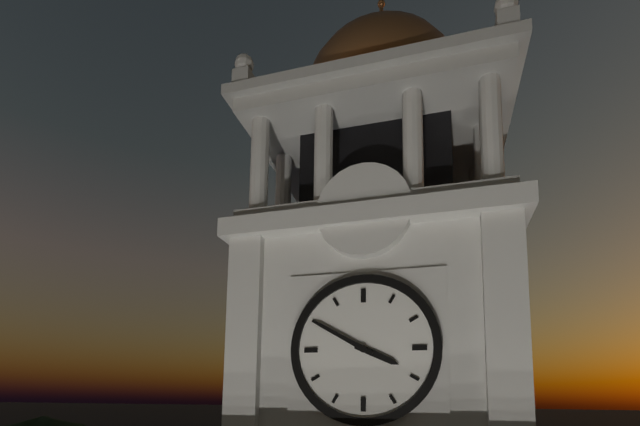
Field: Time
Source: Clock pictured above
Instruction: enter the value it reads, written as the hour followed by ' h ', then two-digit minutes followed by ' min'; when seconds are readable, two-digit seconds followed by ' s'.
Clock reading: 3 h 50 min
